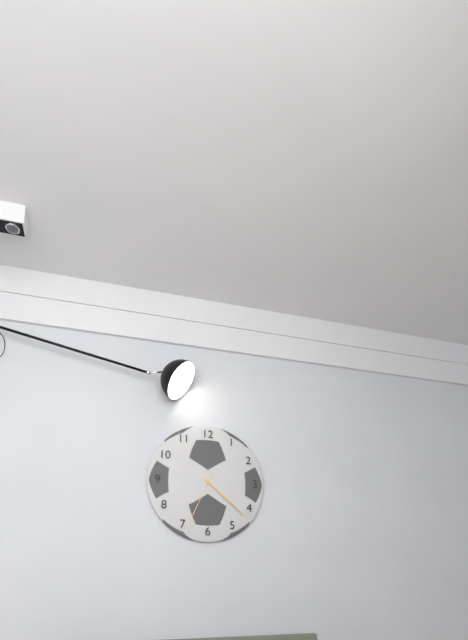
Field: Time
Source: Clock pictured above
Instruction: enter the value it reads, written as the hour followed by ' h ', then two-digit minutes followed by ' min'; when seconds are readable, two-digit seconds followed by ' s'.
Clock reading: 4 h 22 min 34 s
